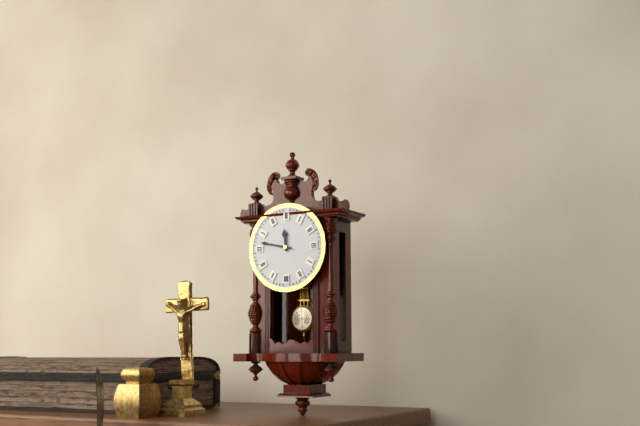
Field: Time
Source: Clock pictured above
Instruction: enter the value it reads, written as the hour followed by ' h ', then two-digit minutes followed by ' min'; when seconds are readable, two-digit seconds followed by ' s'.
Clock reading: 11 h 47 min
